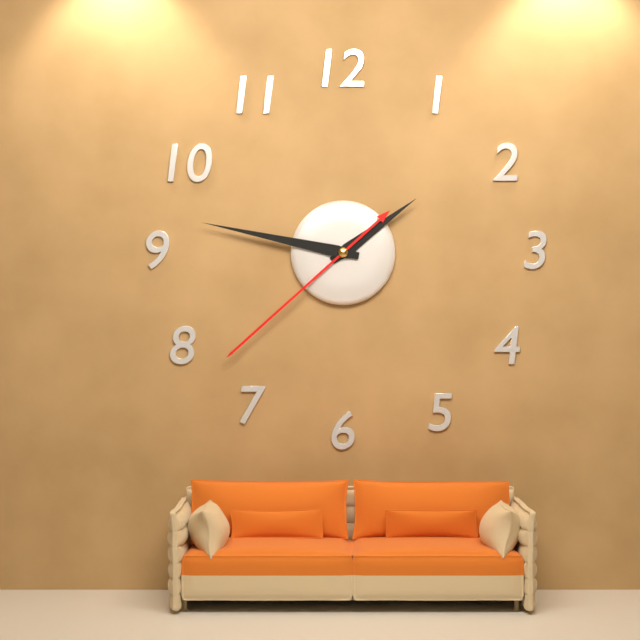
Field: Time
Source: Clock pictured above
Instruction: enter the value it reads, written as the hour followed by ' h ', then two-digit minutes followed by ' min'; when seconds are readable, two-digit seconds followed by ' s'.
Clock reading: 1 h 47 min 38 s
